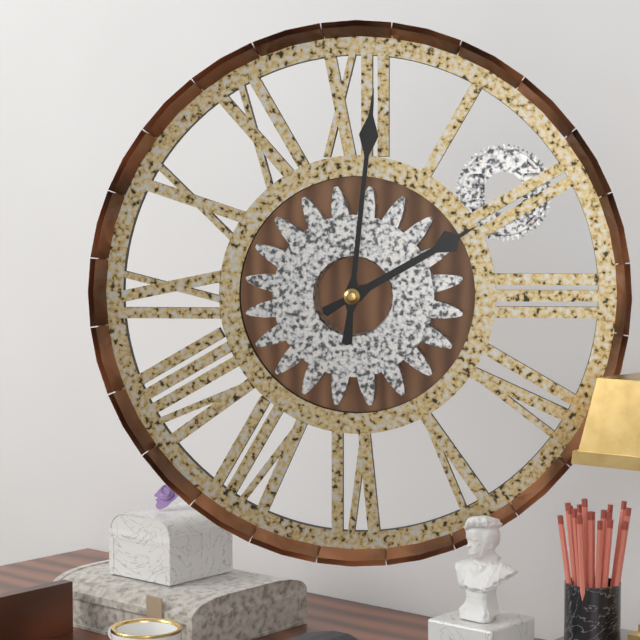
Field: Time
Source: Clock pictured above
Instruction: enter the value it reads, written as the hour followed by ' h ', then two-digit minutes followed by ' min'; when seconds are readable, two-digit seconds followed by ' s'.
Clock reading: 2 h 01 min
